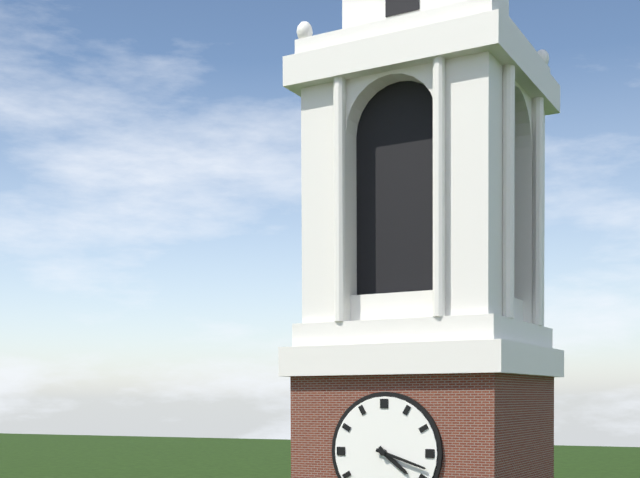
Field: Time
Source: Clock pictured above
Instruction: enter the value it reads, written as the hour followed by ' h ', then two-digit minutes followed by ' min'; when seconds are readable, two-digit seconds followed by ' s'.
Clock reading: 4 h 18 min
